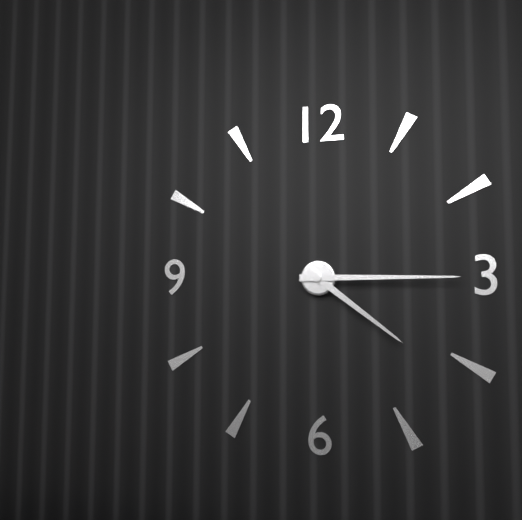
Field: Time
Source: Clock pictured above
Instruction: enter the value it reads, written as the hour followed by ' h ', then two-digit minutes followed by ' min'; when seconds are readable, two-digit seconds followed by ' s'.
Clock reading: 4 h 15 min
